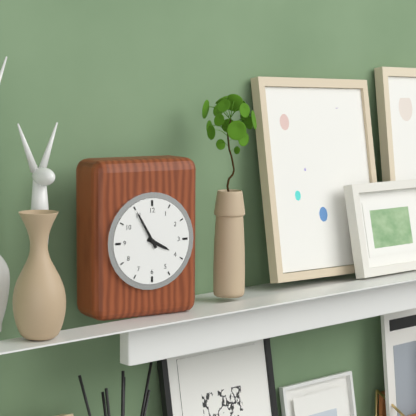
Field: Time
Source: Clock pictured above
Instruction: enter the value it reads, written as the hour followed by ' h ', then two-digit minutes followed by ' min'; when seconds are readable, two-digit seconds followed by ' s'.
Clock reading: 3 h 55 min
